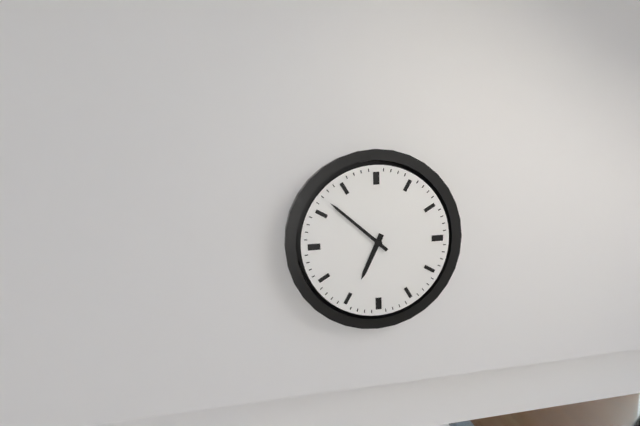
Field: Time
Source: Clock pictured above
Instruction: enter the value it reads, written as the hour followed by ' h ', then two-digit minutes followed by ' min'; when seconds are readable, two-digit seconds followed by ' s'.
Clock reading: 6 h 52 min
